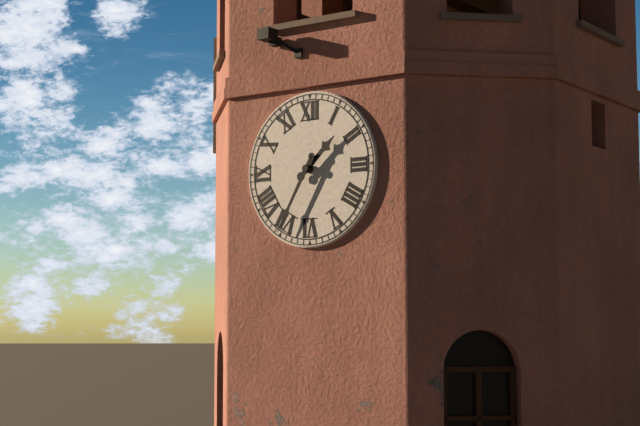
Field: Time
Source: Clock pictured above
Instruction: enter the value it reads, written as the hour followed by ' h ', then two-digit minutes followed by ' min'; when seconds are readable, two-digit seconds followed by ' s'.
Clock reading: 1 h 35 min
